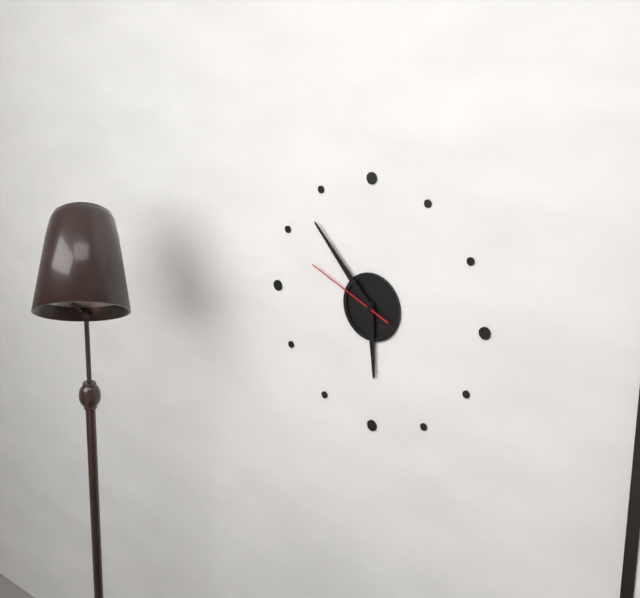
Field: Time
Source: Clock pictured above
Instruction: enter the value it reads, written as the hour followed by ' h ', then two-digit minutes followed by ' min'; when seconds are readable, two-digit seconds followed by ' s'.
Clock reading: 5 h 53 min 49 s
